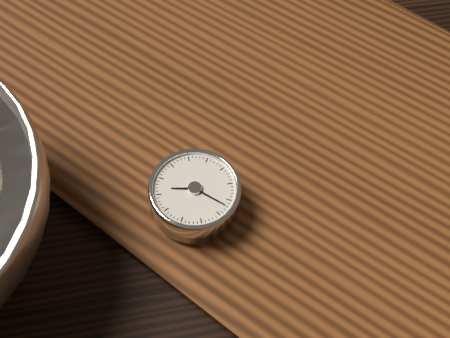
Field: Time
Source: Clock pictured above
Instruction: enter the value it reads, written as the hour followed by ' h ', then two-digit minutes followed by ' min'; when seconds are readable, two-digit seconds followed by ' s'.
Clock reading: 9 h 22 min
